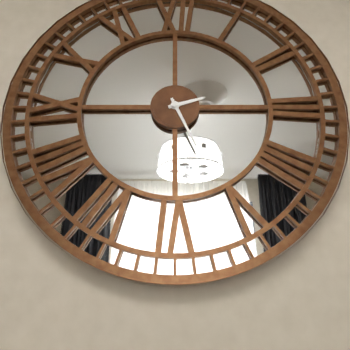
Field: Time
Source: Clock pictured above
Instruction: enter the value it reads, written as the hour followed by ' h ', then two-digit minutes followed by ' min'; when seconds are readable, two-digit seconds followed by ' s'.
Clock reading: 2 h 26 min
